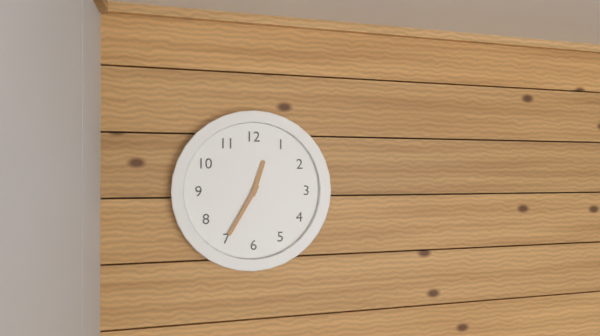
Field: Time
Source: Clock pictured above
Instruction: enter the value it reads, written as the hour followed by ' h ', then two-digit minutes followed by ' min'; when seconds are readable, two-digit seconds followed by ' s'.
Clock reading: 12 h 35 min
